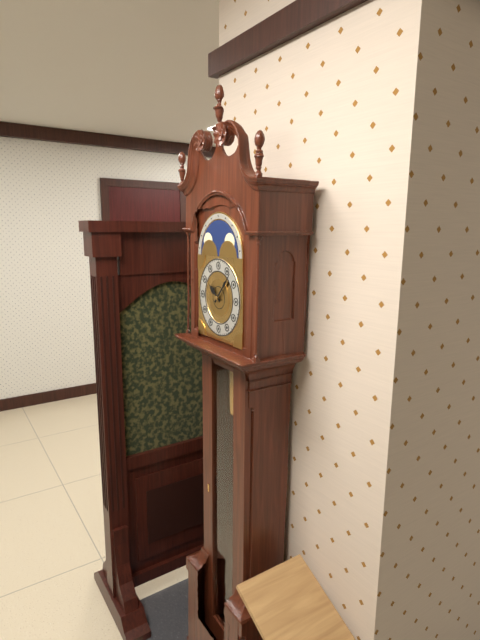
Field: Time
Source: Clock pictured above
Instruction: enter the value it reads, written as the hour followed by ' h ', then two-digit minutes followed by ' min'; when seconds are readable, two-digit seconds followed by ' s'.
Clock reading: 10 h 07 min
